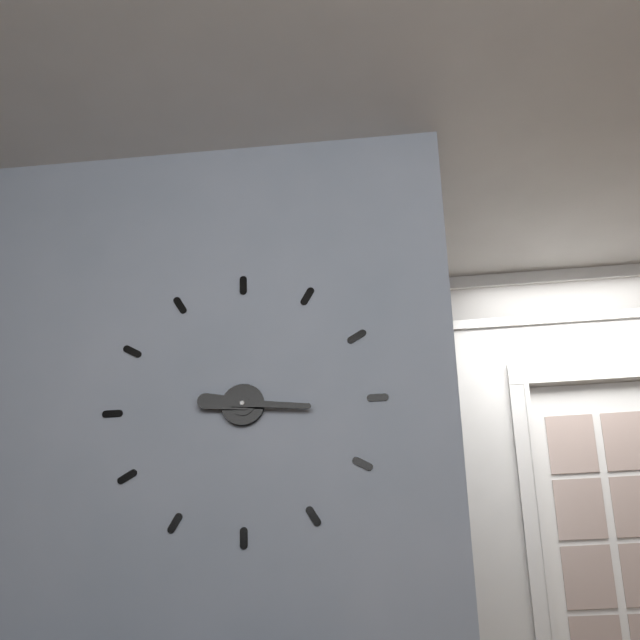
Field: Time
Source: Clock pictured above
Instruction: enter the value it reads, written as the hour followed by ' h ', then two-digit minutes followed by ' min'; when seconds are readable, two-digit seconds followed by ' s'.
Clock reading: 9 h 16 min
